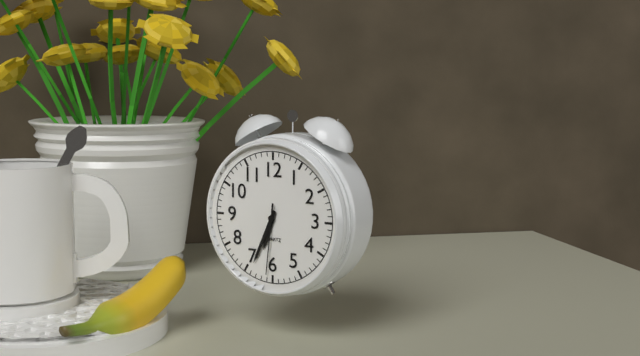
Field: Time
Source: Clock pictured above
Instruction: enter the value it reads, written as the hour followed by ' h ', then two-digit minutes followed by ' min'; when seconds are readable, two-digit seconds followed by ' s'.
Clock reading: 6 h 34 min 31 s
